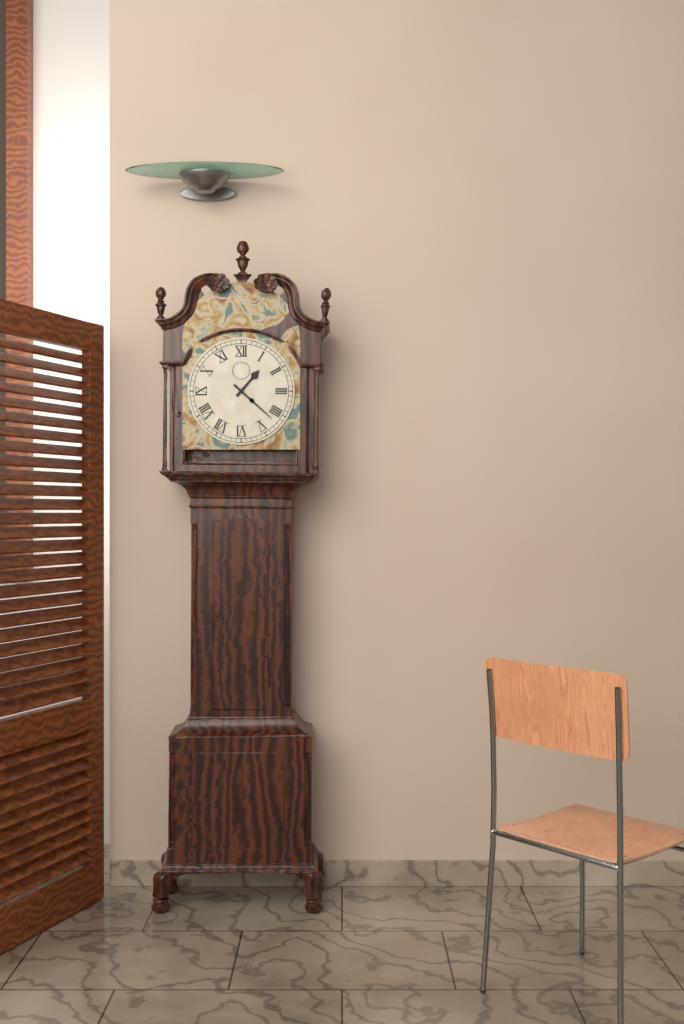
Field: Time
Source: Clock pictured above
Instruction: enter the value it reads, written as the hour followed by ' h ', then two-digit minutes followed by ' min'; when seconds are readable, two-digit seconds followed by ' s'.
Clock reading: 1 h 22 min
